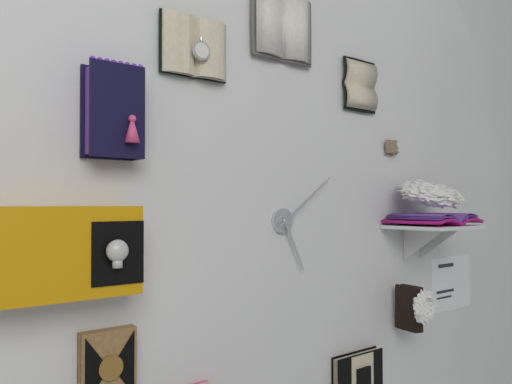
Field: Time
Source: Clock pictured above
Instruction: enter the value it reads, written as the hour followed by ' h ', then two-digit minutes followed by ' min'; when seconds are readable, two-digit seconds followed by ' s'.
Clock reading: 5 h 09 min
